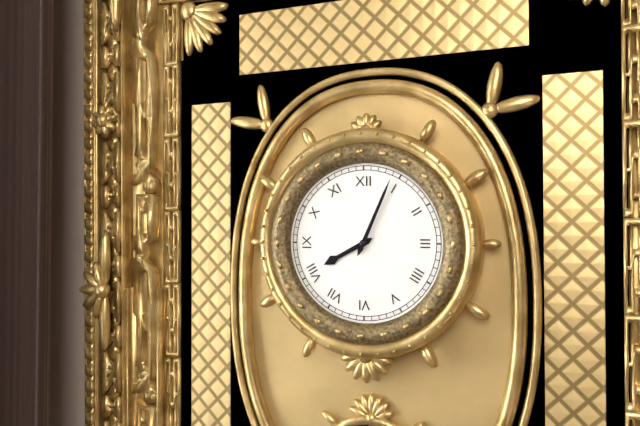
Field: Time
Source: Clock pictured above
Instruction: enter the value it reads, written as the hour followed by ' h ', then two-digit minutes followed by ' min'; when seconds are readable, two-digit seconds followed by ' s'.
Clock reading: 8 h 04 min
